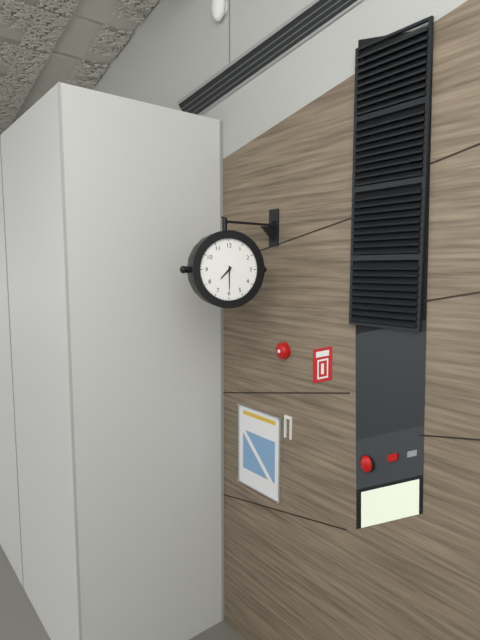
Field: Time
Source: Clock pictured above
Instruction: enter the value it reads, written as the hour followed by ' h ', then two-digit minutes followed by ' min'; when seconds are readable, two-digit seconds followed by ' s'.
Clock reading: 7 h 30 min
